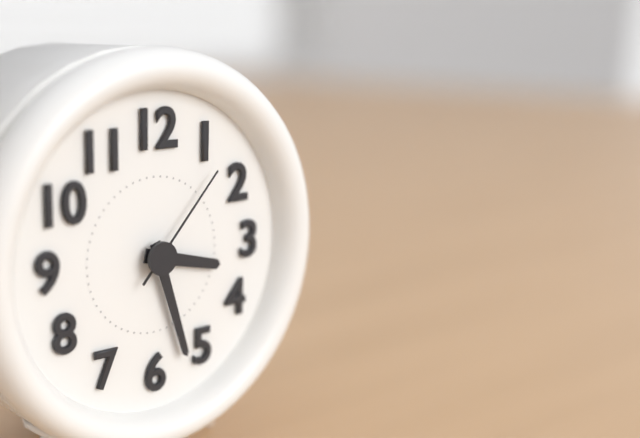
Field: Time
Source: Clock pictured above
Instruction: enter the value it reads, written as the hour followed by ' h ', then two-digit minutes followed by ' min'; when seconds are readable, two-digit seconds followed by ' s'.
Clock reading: 3 h 27 min 07 s
